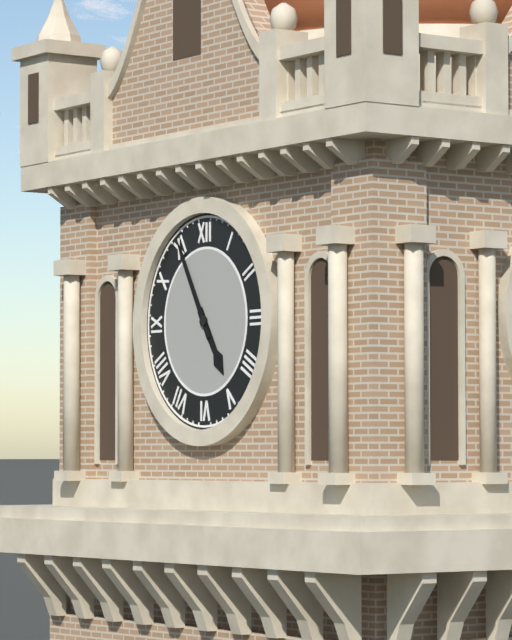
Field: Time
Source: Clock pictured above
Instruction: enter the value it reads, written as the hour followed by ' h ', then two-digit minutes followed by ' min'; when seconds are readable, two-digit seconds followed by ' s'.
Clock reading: 4 h 55 min
